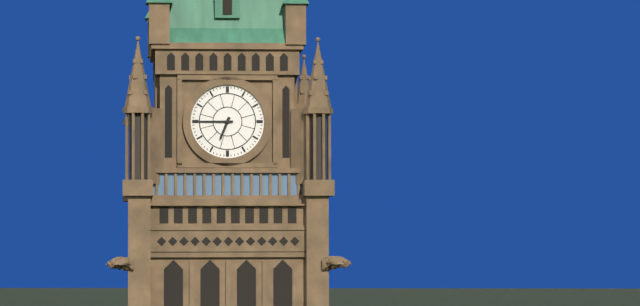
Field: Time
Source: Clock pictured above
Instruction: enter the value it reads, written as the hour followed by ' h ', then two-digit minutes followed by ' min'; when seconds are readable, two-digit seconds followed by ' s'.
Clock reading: 6 h 45 min
